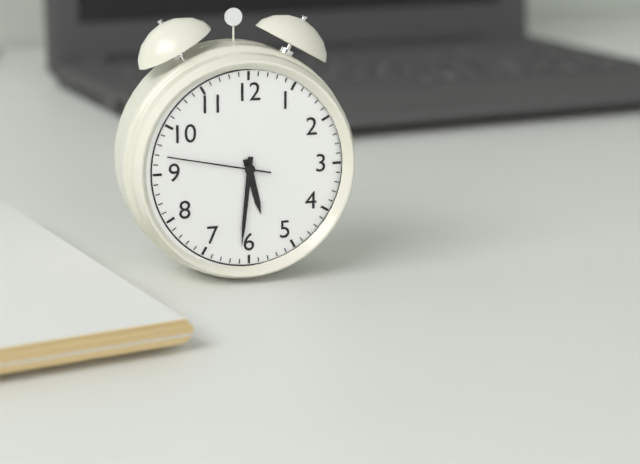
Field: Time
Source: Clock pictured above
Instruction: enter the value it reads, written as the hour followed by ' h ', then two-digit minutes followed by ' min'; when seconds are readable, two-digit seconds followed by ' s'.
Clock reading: 5 h 31 min 47 s
